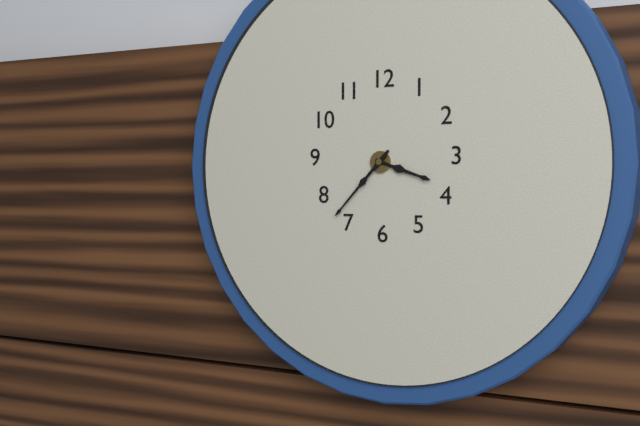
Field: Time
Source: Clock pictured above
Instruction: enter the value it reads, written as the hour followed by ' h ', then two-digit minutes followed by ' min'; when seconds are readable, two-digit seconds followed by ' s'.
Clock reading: 3 h 37 min
